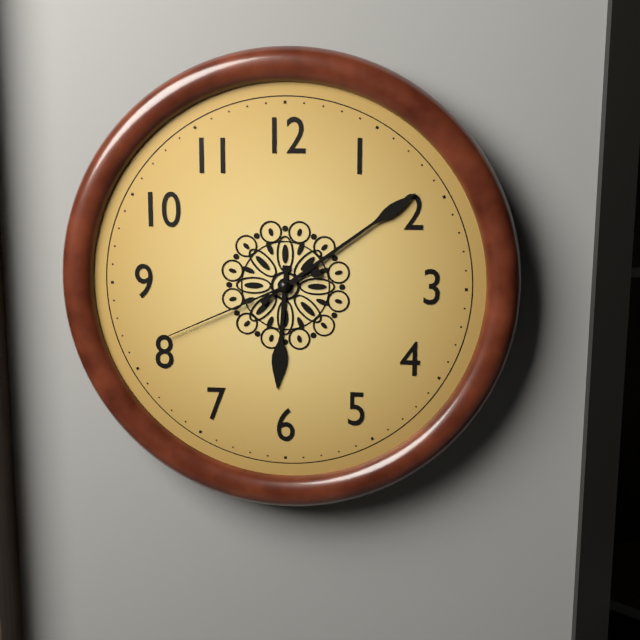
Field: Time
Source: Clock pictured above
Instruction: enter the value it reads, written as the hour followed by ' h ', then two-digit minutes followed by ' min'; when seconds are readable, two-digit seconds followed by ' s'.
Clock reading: 6 h 09 min 41 s
